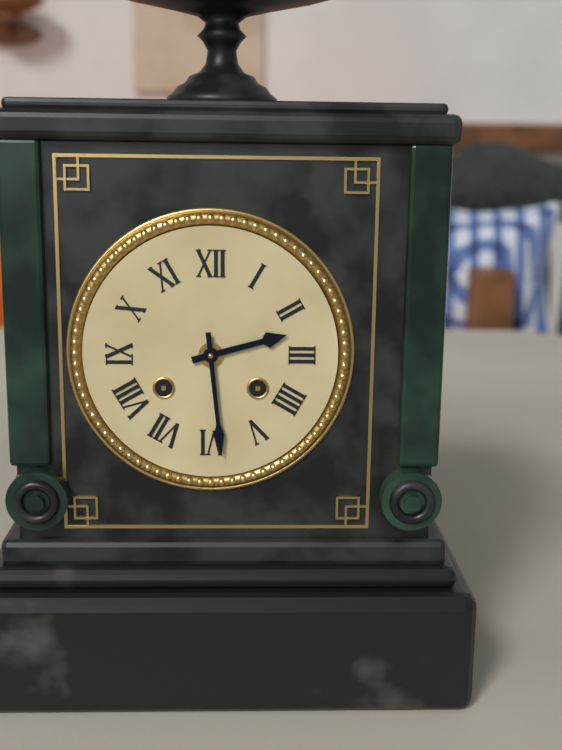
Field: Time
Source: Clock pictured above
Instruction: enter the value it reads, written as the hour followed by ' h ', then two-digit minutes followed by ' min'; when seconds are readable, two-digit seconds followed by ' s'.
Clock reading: 2 h 29 min
